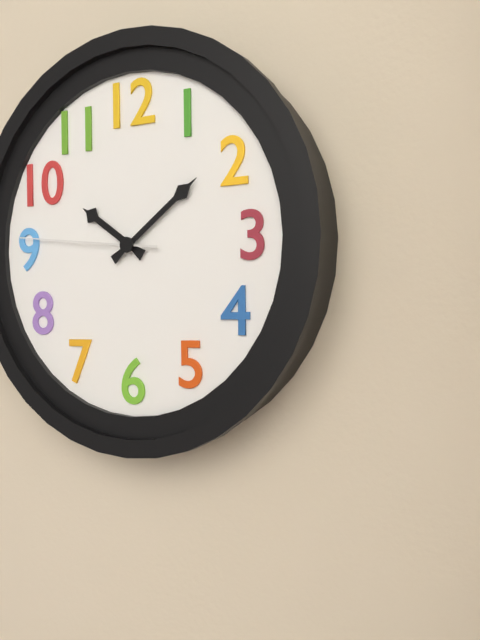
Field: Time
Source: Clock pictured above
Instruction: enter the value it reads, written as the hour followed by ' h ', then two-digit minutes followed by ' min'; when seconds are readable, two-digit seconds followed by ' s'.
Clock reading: 10 h 09 min 46 s
